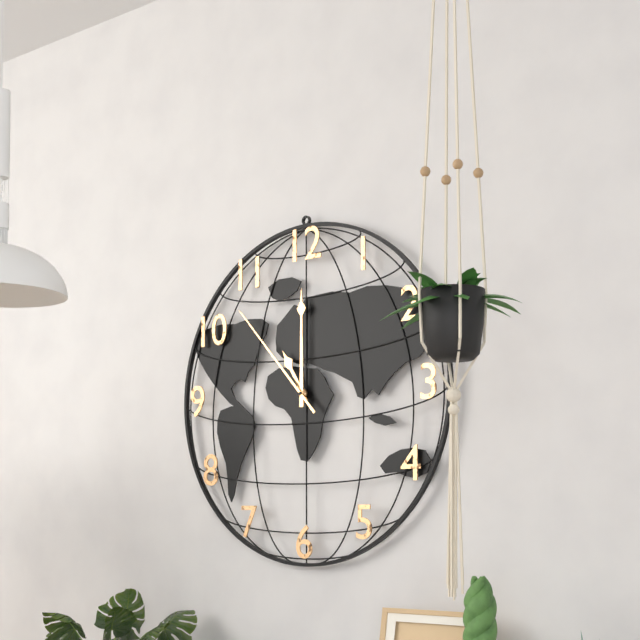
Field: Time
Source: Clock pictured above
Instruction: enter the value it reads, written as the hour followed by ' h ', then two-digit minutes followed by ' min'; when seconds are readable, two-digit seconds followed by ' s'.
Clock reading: 11 h 00 min 53 s
